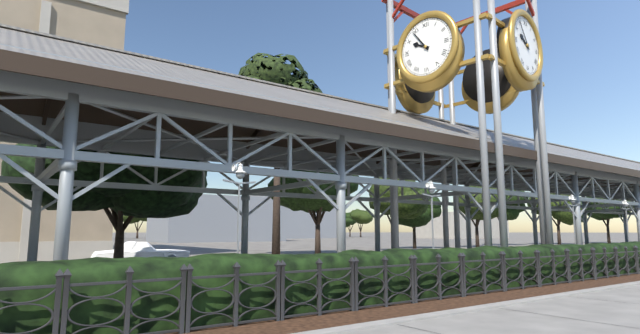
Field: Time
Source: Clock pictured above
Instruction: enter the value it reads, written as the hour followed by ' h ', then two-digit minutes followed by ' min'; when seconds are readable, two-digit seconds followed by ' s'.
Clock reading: 9 h 54 min
